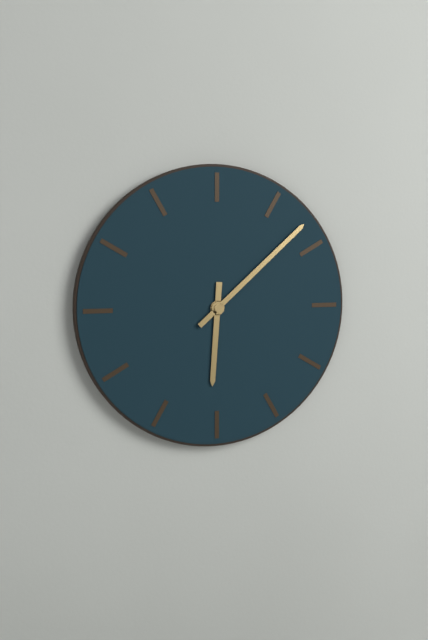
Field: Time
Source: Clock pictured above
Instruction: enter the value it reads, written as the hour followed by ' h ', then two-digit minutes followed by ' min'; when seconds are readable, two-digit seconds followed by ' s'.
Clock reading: 6 h 08 min
